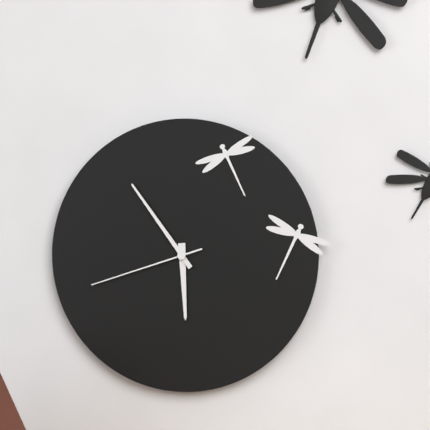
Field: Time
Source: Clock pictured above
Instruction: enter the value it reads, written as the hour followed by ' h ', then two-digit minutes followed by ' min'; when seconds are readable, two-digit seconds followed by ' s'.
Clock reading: 5 h 54 min 42 s
